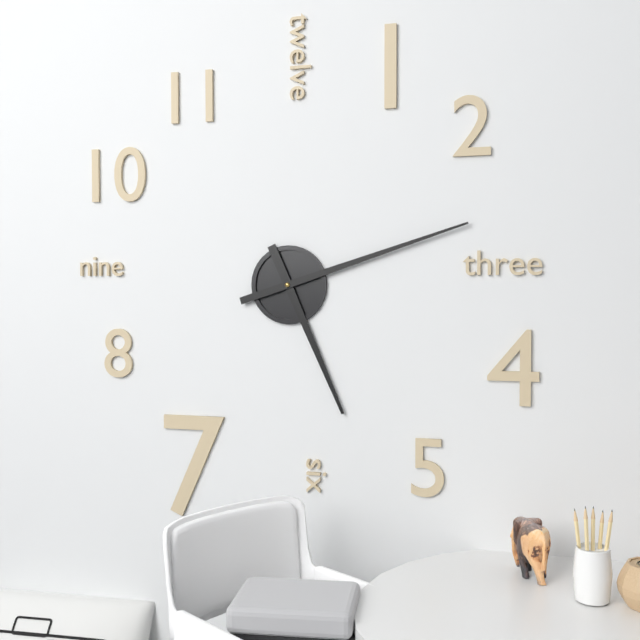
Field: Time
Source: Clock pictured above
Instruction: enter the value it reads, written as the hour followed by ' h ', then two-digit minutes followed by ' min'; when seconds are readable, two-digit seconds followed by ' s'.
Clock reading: 5 h 12 min
